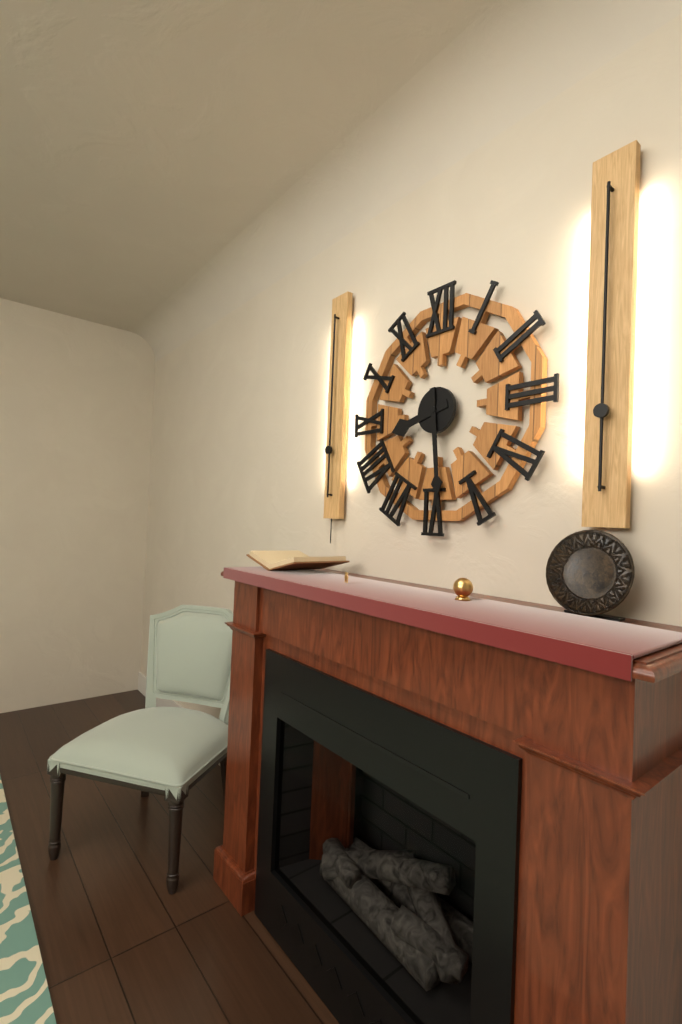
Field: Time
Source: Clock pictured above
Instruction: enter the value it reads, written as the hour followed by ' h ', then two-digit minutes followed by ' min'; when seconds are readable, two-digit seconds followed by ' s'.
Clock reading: 8 h 29 min
